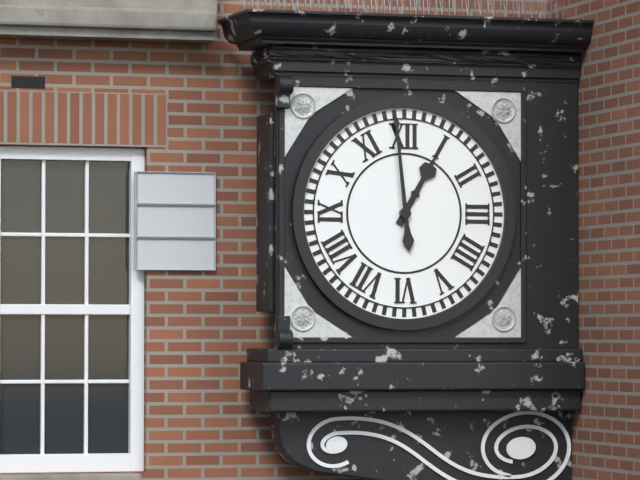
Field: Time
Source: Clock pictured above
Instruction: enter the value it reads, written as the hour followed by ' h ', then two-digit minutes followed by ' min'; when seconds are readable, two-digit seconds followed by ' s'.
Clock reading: 12 h 59 min
